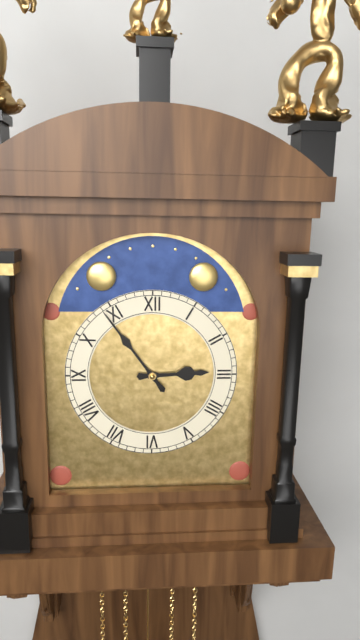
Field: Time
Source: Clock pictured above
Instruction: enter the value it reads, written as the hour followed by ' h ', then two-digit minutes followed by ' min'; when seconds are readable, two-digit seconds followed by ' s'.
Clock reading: 2 h 54 min
